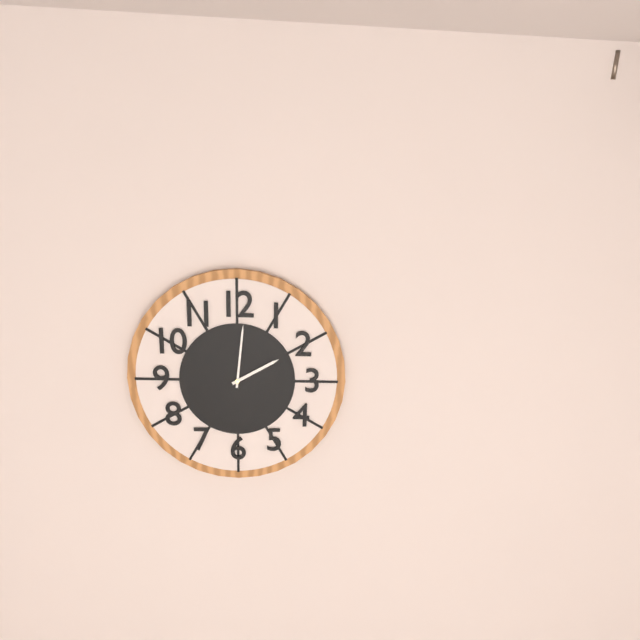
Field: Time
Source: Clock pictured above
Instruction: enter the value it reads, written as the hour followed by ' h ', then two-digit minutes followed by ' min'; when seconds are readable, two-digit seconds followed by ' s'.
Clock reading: 2 h 01 min
